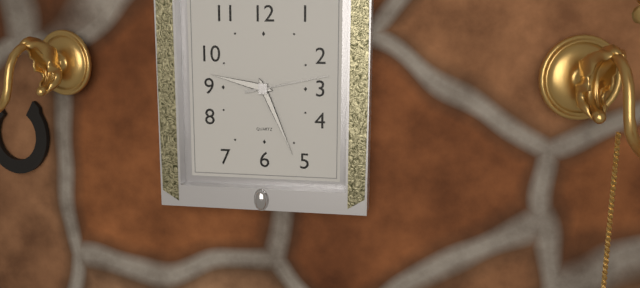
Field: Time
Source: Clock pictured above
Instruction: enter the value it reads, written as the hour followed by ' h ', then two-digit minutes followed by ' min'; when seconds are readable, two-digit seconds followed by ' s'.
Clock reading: 9 h 26 min 13 s
